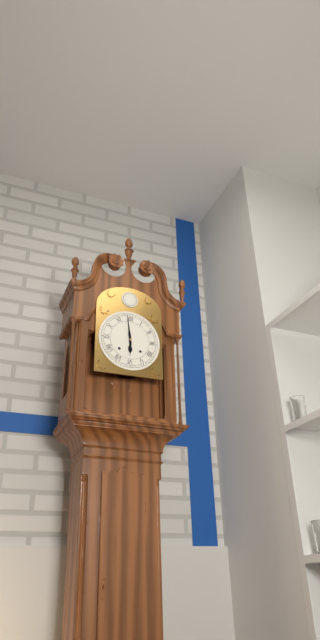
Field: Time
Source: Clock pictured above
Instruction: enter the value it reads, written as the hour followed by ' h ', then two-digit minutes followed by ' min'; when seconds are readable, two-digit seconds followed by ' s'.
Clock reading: 5 h 59 min
